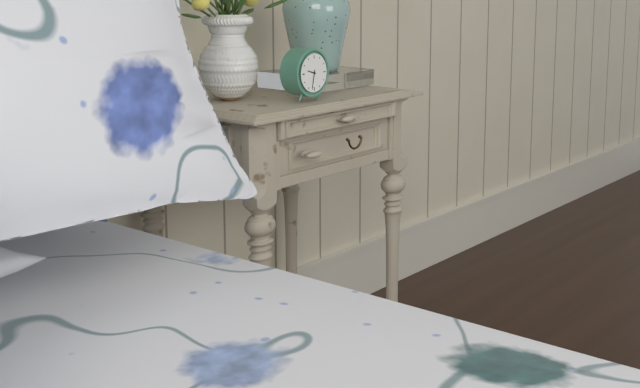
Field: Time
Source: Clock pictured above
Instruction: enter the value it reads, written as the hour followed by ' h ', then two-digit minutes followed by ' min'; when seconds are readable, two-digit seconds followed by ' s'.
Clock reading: 9 h 32 min
